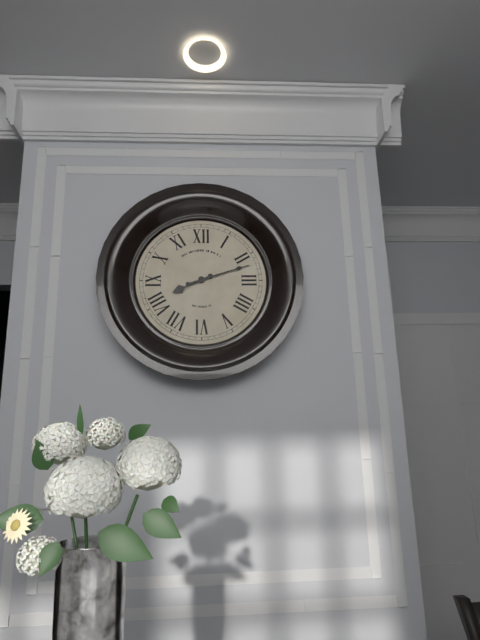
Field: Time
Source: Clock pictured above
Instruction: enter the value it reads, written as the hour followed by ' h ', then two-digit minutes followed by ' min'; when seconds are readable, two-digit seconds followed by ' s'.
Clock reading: 8 h 12 min
